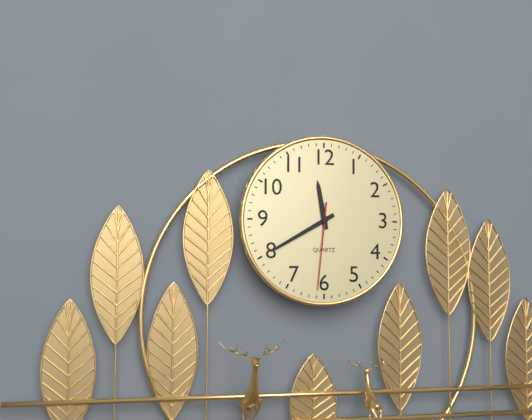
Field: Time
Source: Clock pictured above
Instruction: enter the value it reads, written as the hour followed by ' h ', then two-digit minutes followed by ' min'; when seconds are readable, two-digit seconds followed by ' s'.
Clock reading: 11 h 40 min 31 s
